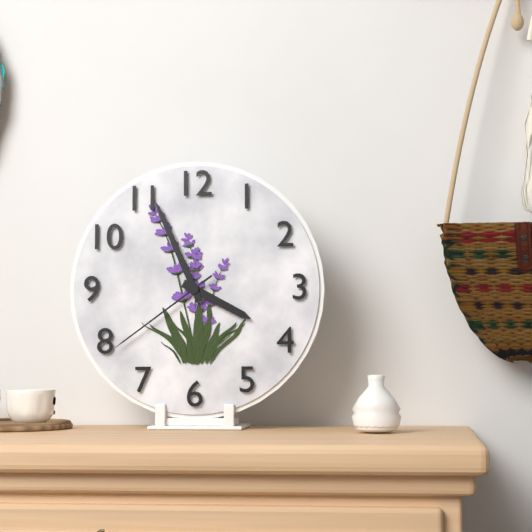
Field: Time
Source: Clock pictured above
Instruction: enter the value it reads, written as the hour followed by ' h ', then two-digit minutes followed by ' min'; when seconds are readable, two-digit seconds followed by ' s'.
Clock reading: 3 h 56 min 39 s
